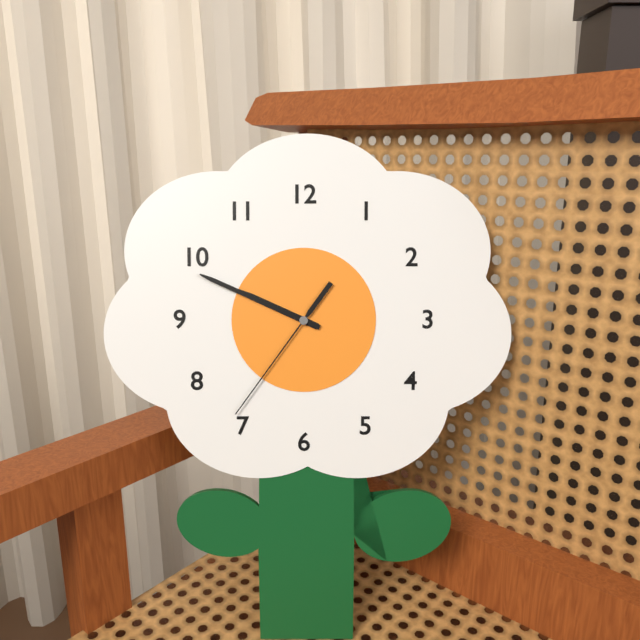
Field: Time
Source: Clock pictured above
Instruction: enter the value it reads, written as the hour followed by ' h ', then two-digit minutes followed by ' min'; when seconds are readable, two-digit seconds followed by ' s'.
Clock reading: 9 h 49 min 36 s
